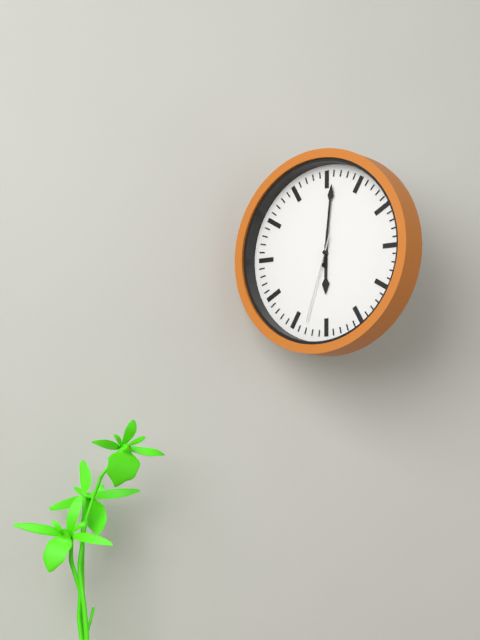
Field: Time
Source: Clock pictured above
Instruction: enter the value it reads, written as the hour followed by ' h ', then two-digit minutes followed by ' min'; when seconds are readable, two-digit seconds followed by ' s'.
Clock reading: 6 h 01 min 33 s
